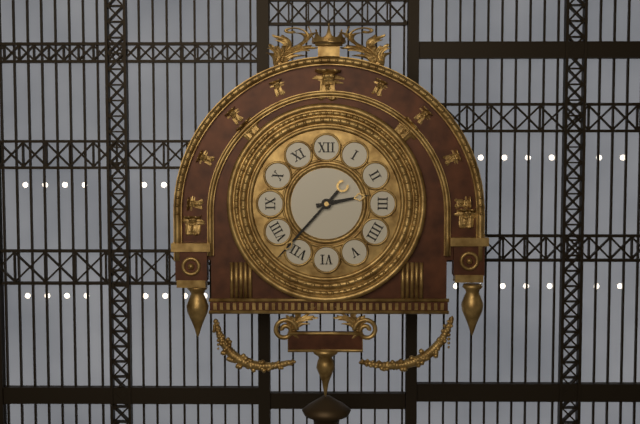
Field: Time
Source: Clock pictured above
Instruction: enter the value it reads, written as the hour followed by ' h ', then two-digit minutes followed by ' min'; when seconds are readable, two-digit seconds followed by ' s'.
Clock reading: 2 h 37 min
